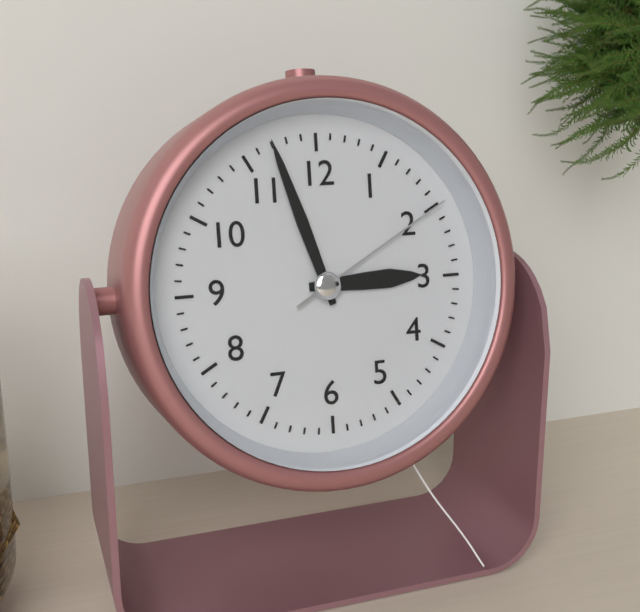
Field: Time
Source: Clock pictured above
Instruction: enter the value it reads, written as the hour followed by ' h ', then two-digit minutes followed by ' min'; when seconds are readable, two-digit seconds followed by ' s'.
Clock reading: 2 h 57 min 10 s
